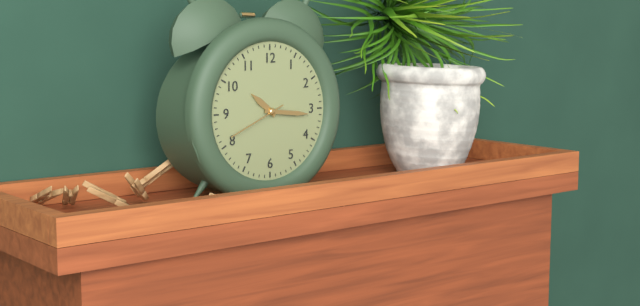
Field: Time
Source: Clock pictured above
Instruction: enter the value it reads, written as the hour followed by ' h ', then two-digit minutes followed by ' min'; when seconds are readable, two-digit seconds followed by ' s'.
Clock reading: 10 h 16 min 41 s
